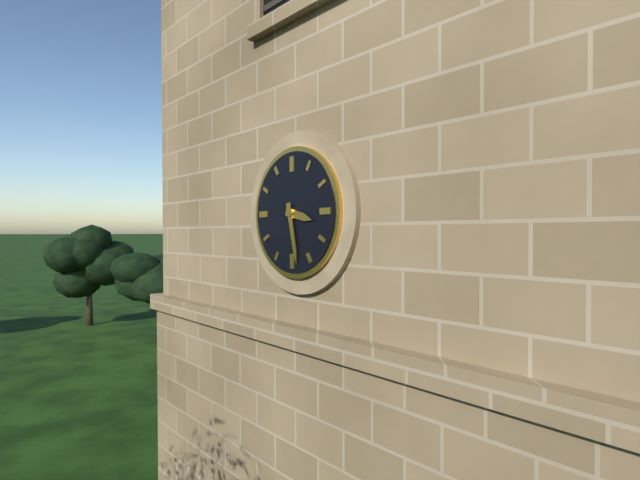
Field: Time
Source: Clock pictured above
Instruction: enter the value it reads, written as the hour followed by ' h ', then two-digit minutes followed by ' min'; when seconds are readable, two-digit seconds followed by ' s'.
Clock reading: 3 h 28 min
